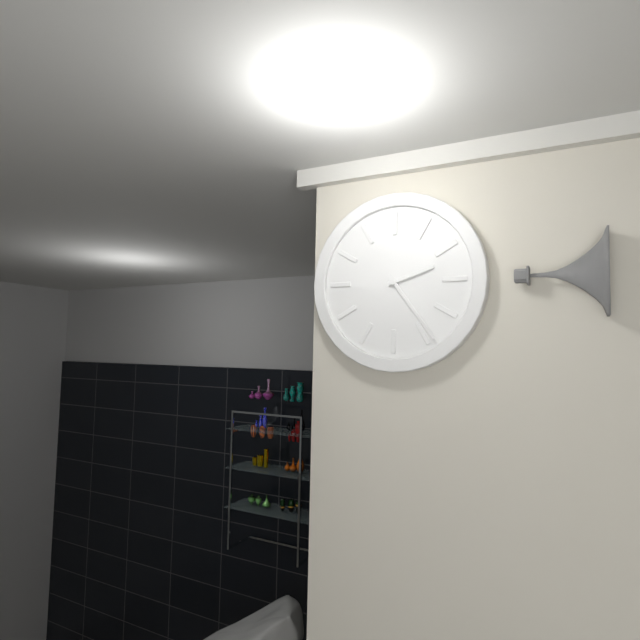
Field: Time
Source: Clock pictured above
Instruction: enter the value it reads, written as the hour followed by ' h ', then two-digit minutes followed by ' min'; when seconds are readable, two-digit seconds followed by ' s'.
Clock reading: 2 h 24 min
